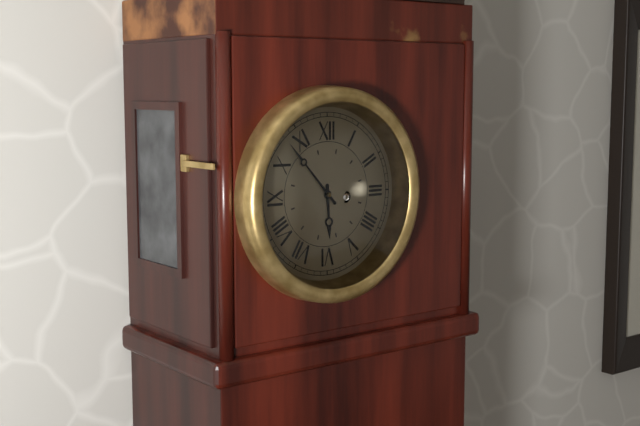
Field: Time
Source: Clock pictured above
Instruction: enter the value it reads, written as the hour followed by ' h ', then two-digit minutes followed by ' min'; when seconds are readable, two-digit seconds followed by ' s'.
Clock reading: 5 h 53 min
